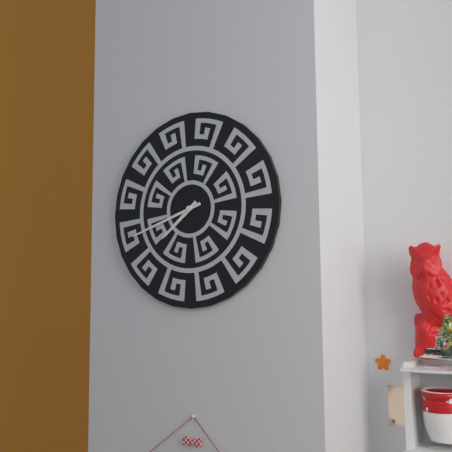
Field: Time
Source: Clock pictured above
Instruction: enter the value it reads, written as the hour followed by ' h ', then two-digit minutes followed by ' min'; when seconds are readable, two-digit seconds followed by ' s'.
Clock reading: 7 h 42 min
